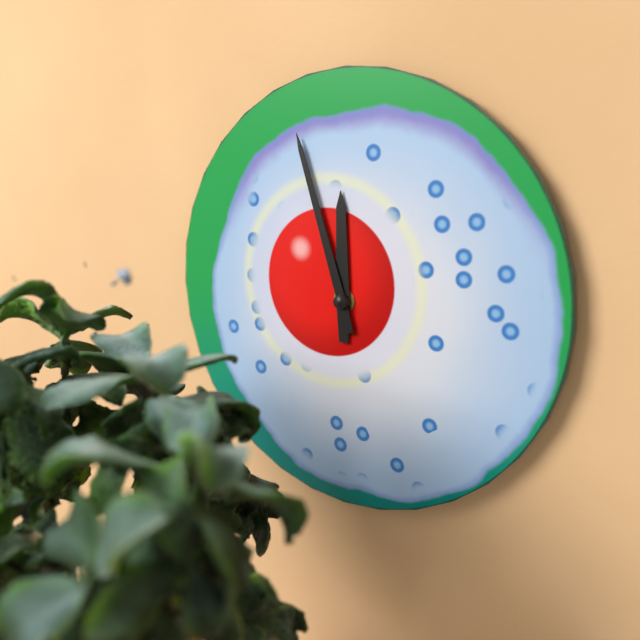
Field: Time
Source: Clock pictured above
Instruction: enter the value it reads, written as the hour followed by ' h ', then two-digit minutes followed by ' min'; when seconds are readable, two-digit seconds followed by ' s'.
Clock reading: 11 h 57 min
